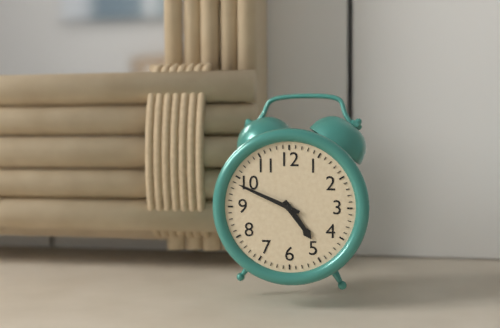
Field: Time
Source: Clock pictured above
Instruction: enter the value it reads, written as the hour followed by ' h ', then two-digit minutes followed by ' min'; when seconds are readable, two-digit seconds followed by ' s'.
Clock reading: 4 h 49 min
